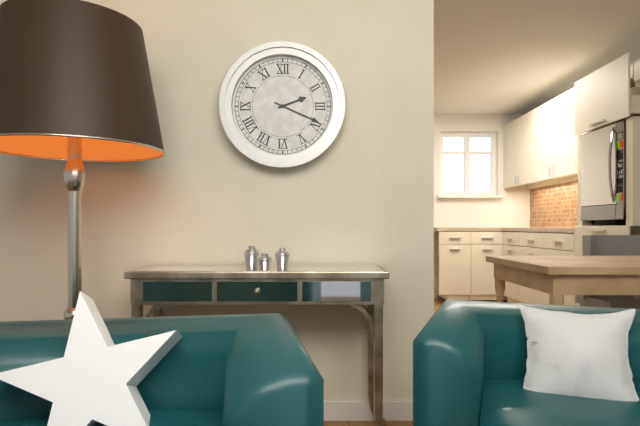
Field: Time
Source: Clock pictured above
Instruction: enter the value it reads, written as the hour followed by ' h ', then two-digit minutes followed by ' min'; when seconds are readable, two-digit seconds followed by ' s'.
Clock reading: 2 h 19 min
